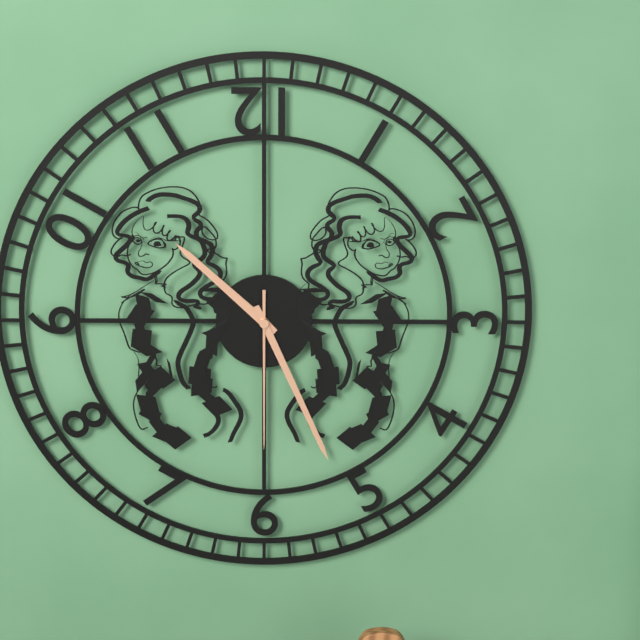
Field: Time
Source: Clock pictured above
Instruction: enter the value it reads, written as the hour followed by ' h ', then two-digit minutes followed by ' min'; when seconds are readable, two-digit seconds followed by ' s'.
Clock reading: 10 h 26 min 30 s
